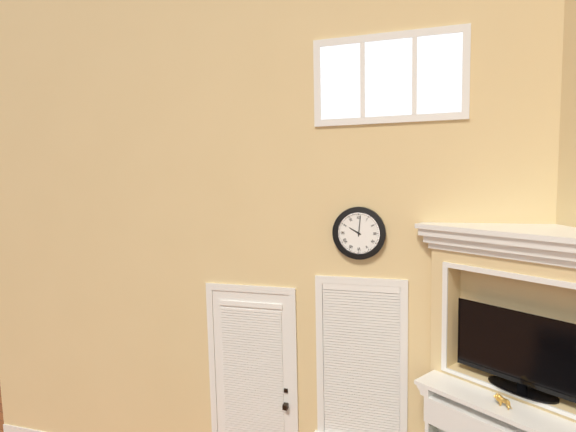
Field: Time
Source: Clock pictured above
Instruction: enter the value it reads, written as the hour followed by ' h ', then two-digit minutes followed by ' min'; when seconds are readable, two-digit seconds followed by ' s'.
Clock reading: 10 h 01 min
